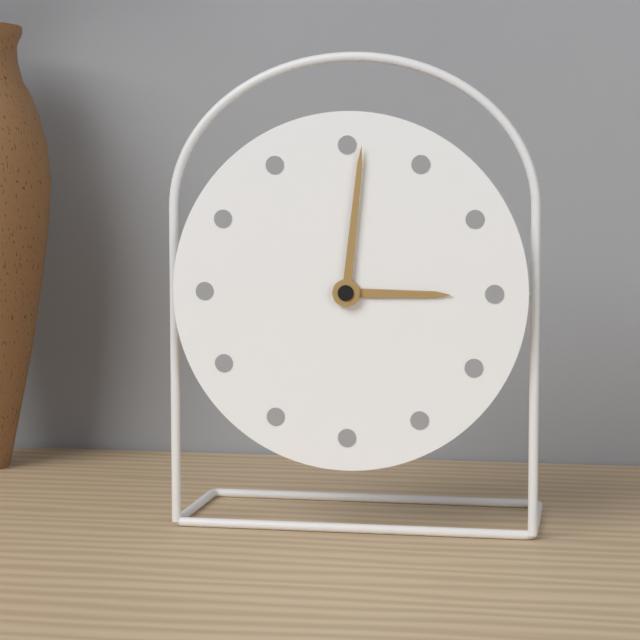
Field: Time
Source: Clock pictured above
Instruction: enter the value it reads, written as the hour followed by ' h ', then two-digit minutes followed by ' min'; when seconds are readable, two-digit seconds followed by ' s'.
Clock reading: 3 h 01 min
